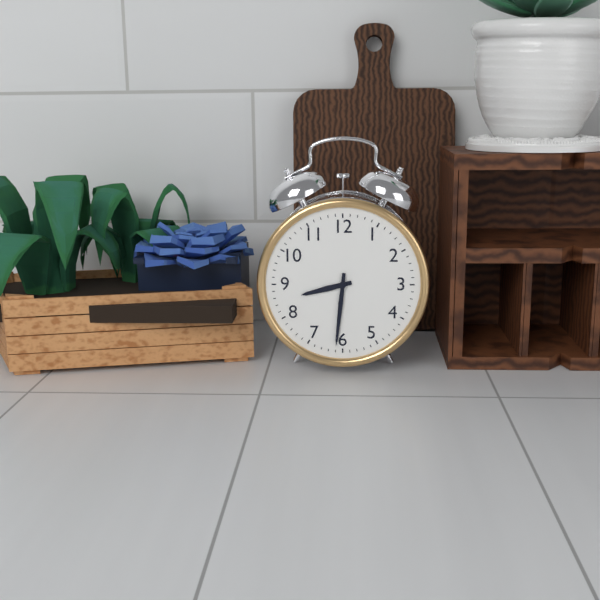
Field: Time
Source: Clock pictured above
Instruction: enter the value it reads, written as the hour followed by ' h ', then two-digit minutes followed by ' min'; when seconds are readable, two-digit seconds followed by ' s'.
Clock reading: 8 h 31 min
